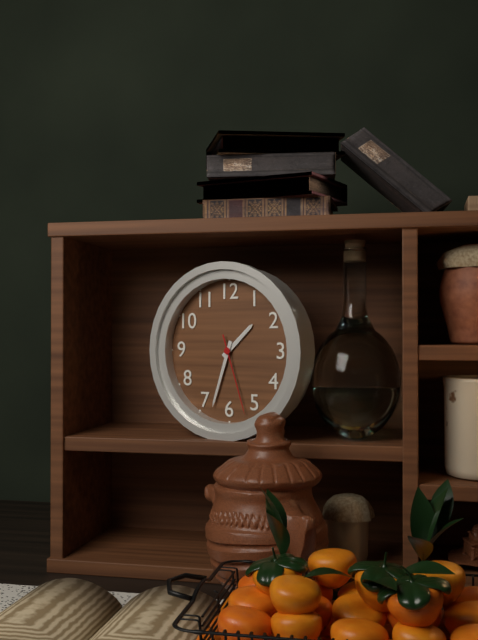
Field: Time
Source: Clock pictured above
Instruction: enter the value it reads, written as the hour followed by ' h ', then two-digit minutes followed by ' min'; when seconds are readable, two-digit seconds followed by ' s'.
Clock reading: 1 h 33 min 27 s
